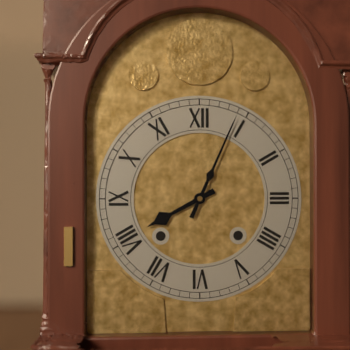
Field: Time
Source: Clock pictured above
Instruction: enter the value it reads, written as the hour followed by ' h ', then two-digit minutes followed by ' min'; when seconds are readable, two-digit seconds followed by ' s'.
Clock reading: 8 h 04 min
